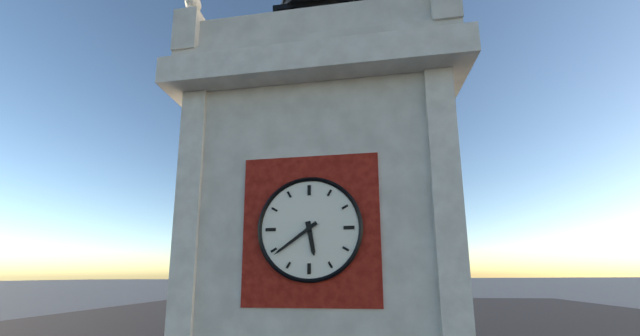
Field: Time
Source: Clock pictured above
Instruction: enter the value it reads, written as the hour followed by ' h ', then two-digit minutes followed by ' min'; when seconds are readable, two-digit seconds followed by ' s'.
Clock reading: 5 h 39 min
